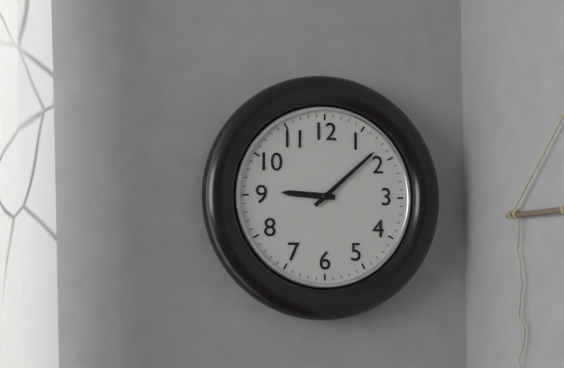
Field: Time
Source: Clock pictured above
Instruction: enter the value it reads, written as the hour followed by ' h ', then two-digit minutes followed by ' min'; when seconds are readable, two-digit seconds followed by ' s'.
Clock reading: 9 h 08 min
